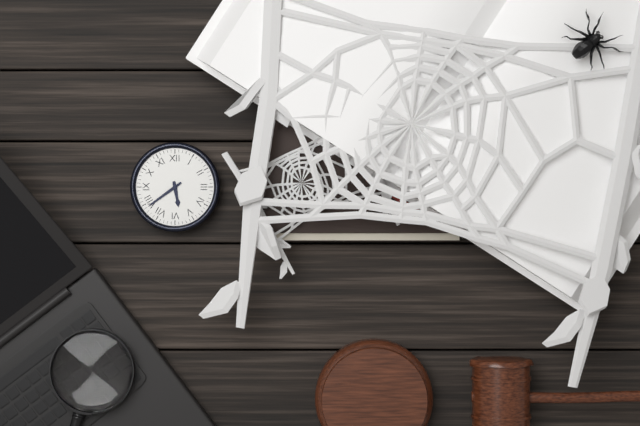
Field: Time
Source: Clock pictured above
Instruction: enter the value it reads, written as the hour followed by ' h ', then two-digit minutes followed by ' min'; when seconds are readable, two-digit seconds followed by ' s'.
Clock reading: 5 h 39 min
